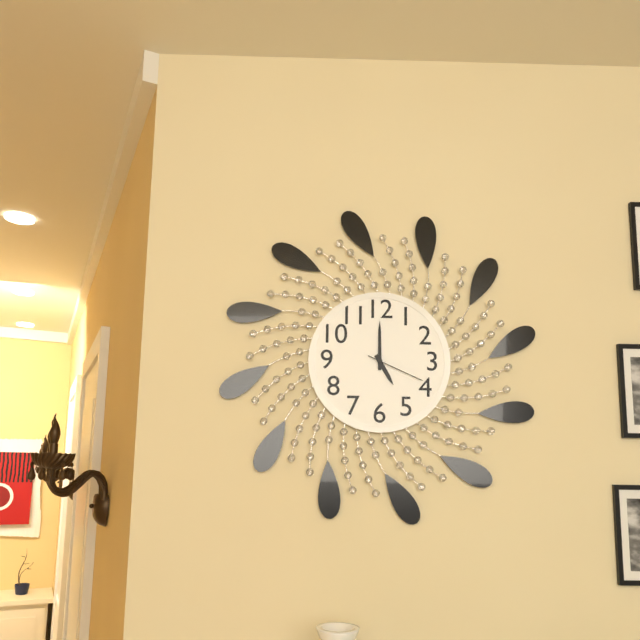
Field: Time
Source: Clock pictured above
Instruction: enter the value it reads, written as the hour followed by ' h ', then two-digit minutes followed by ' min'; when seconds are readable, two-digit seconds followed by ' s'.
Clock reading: 5 h 00 min 19 s
